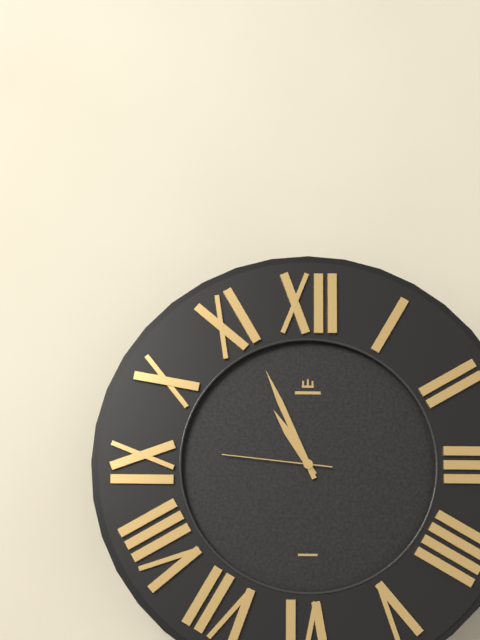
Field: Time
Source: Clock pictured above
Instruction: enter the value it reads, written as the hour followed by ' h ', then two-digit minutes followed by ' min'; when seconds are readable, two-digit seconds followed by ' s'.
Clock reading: 10 h 56 min 46 s
